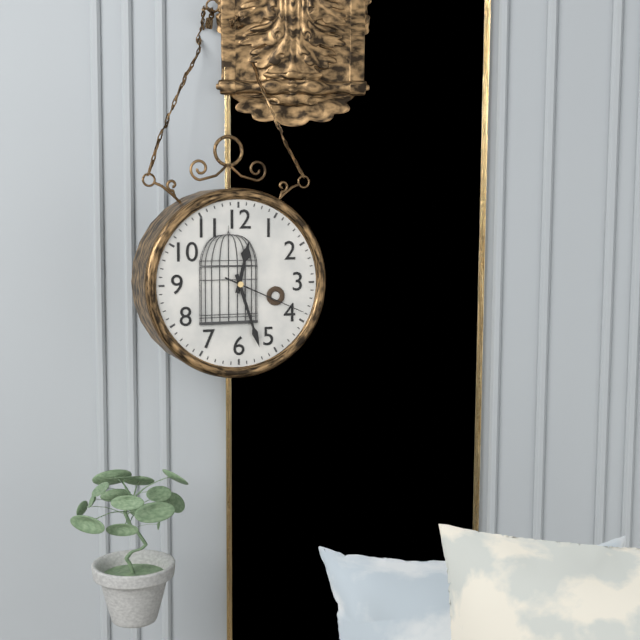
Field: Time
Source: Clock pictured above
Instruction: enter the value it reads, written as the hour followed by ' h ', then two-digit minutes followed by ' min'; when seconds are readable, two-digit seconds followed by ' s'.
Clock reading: 12 h 27 min 19 s
